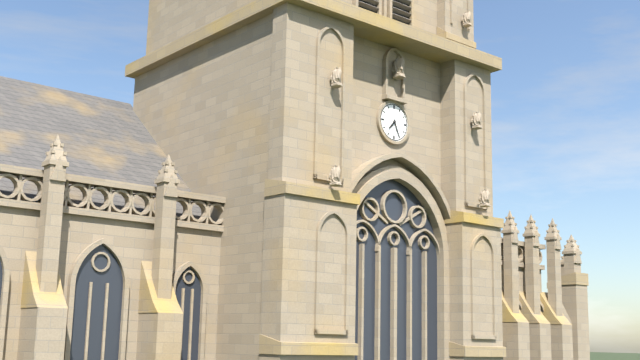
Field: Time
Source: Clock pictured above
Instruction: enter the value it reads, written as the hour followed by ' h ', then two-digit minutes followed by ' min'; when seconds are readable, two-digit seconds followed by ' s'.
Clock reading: 7 h 26 min
